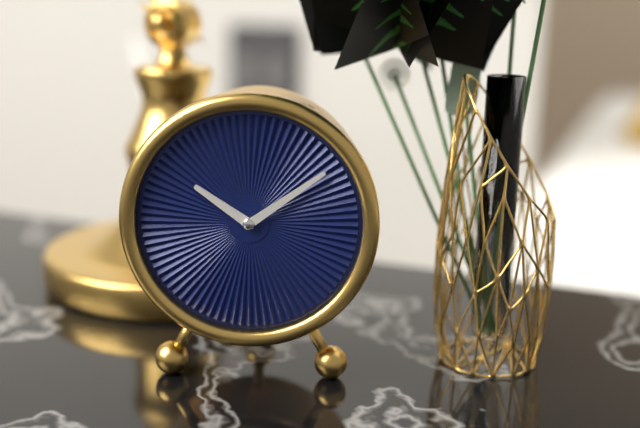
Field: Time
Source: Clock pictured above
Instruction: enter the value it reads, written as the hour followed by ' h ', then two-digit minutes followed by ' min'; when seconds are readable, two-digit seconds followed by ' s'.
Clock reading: 10 h 09 min
